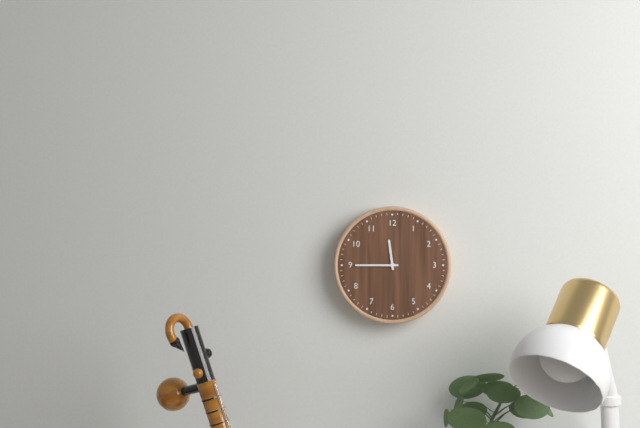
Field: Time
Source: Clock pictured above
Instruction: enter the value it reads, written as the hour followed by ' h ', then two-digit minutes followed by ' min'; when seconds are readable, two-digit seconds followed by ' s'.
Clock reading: 11 h 45 min
